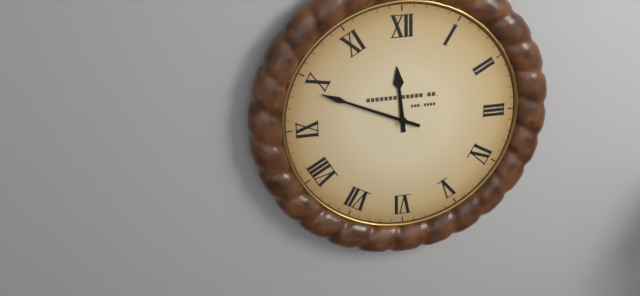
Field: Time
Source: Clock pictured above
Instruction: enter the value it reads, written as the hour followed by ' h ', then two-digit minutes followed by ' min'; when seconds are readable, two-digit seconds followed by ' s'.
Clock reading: 11 h 49 min
